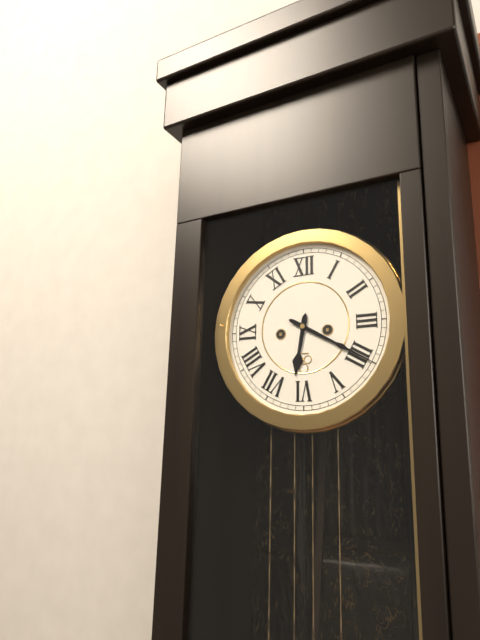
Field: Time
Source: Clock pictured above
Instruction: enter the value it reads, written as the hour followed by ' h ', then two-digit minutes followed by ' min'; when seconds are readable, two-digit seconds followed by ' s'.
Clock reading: 6 h 20 min
